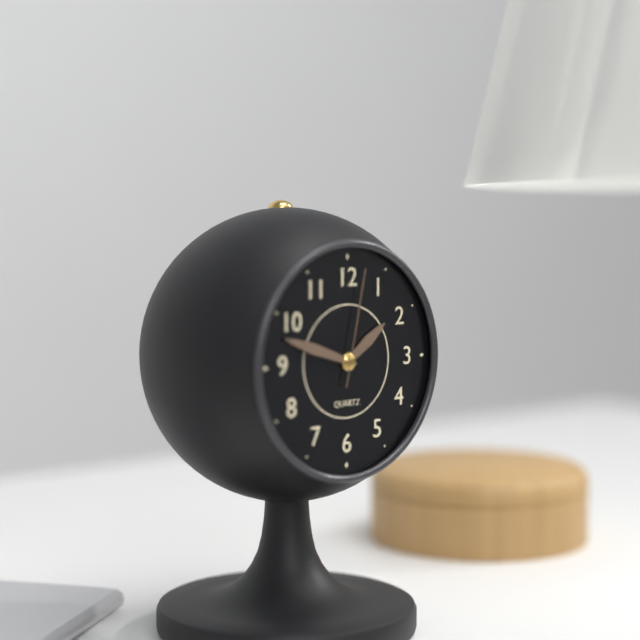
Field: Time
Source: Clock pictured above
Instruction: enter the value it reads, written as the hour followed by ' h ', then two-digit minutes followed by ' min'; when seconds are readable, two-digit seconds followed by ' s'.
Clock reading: 1 h 48 min 02 s
